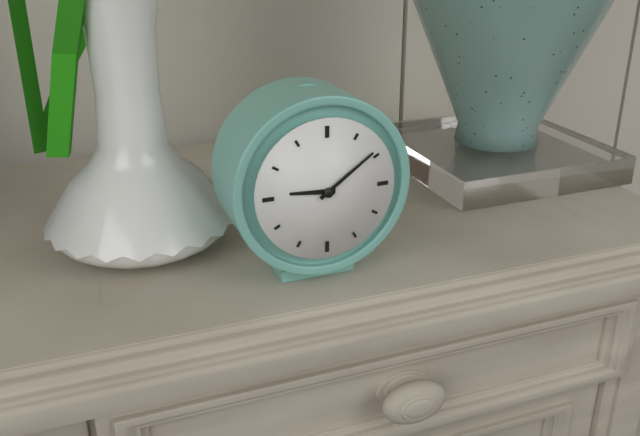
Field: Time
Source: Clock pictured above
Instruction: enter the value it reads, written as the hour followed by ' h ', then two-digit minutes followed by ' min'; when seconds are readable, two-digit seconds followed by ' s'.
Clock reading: 9 h 09 min
